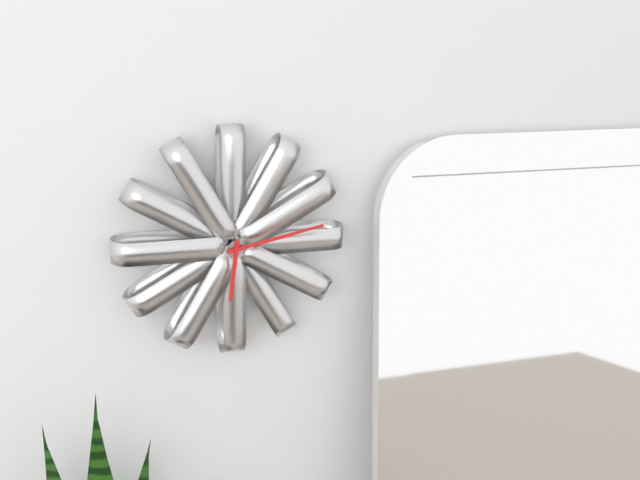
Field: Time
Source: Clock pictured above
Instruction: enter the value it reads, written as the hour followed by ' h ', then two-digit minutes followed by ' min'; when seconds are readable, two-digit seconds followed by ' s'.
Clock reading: 6 h 13 min
